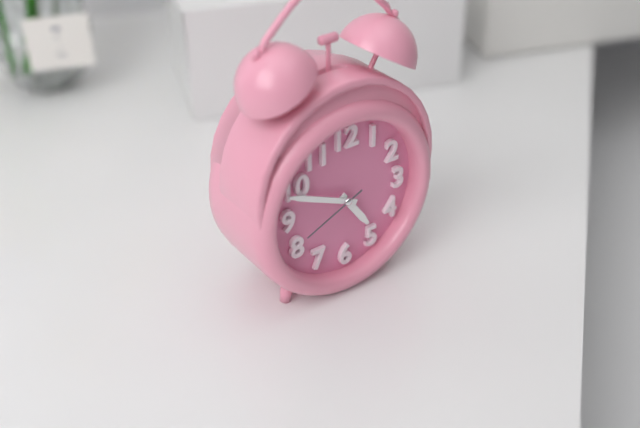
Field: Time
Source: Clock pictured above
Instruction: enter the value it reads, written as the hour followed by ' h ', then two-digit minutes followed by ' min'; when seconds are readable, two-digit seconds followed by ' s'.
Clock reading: 4 h 49 min 41 s
